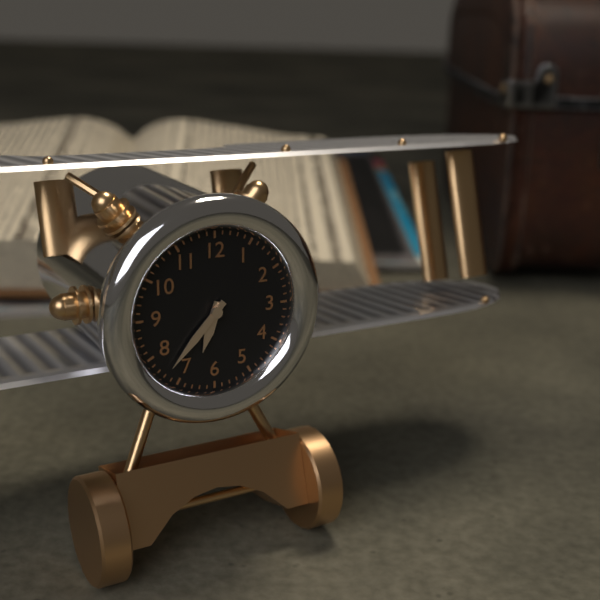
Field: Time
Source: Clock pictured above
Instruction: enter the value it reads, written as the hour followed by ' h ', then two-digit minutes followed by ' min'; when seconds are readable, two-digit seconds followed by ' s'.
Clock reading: 6 h 37 min
